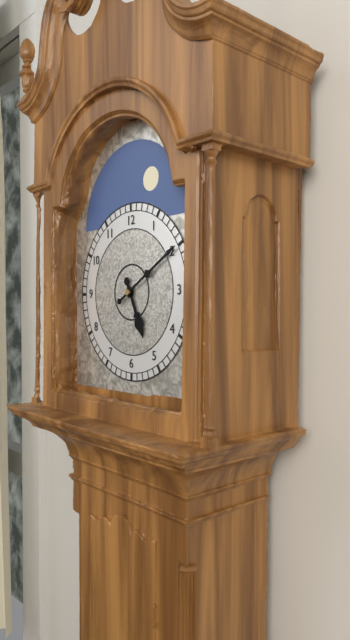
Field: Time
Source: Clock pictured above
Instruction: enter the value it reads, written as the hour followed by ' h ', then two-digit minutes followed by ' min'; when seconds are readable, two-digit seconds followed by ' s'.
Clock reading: 5 h 10 min
